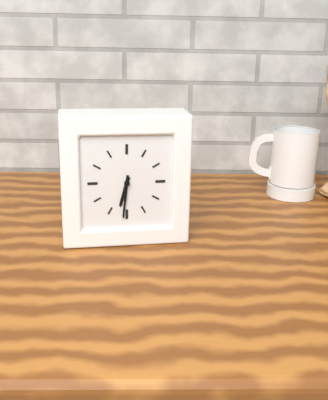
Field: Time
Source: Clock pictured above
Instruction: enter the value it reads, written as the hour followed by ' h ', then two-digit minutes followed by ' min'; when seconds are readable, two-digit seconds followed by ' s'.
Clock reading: 6 h 31 min
